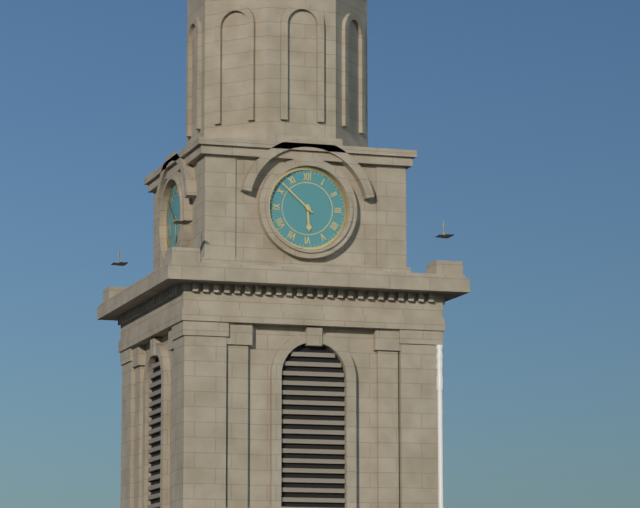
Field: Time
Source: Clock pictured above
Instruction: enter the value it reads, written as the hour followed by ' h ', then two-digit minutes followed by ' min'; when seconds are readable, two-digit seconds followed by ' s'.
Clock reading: 5 h 52 min
